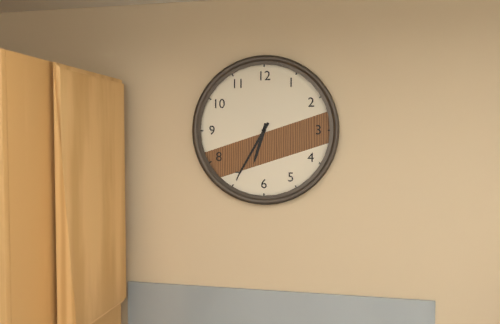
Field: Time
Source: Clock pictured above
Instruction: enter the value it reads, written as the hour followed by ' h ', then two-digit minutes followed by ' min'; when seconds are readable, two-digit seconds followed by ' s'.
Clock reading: 6 h 35 min
